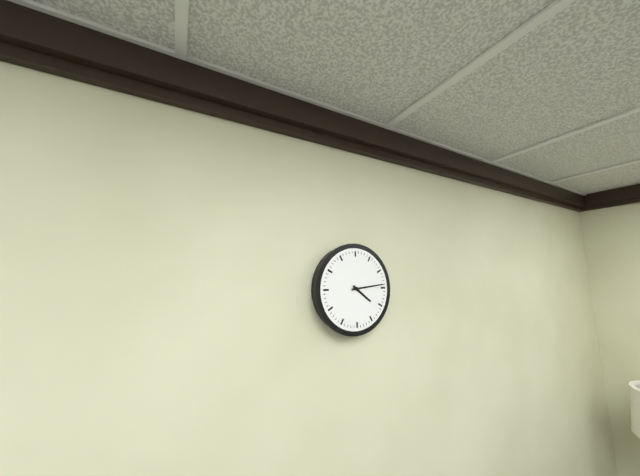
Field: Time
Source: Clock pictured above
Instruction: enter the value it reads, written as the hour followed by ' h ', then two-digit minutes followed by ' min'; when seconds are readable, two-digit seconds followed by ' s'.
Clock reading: 4 h 14 min
